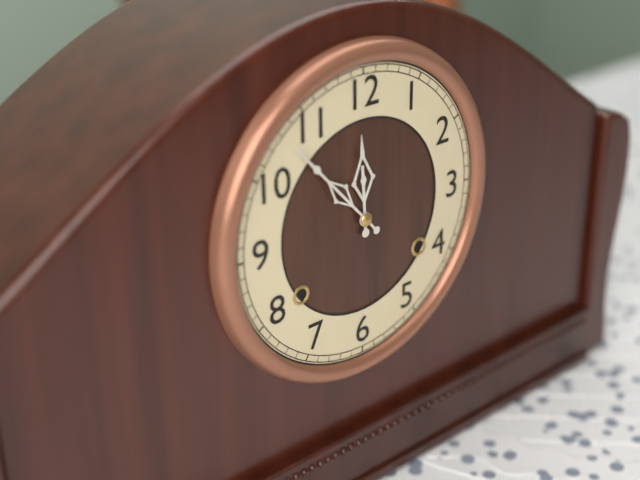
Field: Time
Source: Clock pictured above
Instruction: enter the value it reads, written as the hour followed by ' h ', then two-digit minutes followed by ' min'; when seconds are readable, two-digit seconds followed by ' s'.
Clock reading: 11 h 53 min
